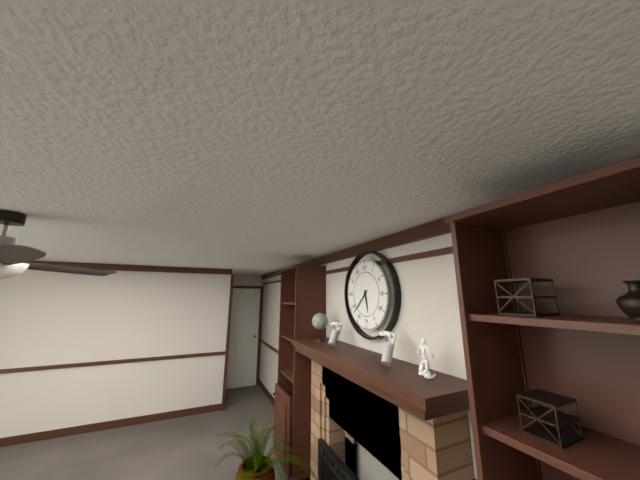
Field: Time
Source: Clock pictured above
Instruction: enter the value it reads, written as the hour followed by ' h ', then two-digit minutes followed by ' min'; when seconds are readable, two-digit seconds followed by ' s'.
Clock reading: 5 h 38 min
